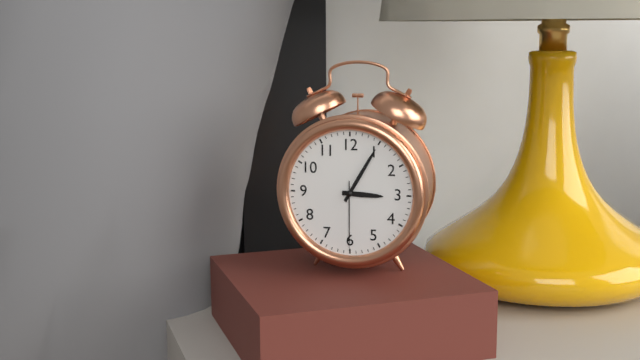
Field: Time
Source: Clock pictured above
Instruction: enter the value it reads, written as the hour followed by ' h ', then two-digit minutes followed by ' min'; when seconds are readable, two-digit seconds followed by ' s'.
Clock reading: 3 h 05 min 30 s
